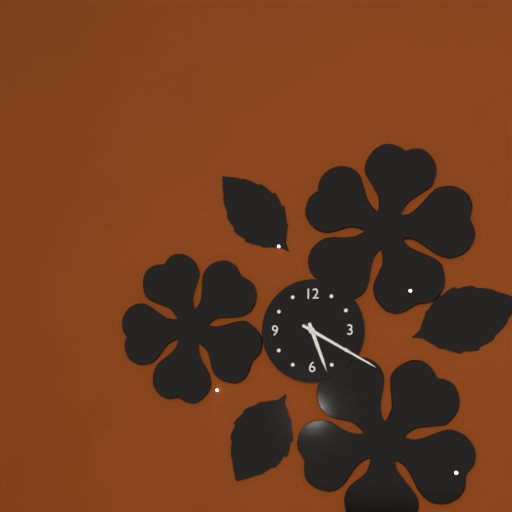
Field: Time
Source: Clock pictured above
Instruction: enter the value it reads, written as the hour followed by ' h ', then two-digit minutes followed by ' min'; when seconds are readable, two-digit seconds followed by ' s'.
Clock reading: 5 h 20 min
